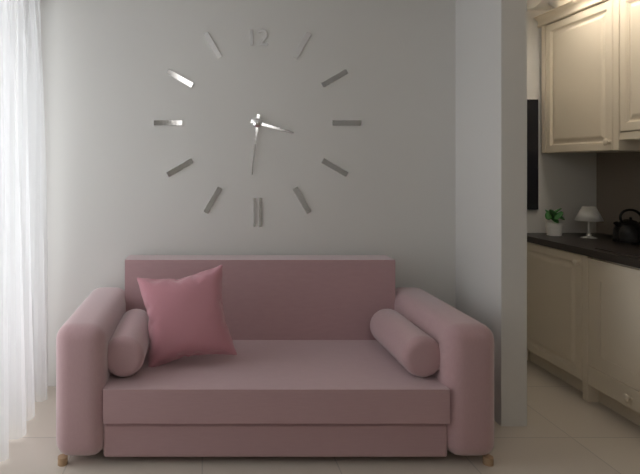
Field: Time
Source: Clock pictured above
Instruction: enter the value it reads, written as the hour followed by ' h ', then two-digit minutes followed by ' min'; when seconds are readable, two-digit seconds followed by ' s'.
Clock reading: 3 h 31 min
